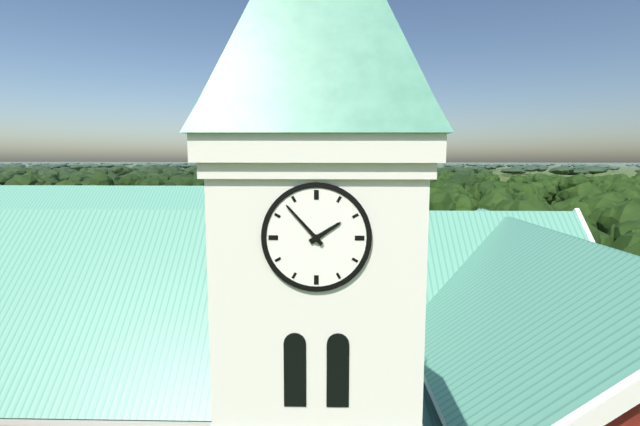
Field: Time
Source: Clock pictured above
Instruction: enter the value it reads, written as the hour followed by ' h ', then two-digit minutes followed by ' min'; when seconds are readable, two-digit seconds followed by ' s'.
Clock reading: 1 h 53 min
